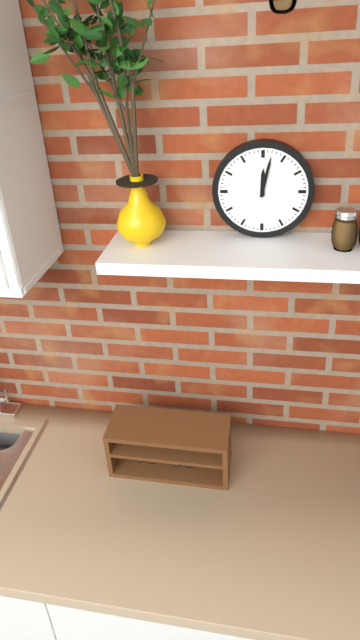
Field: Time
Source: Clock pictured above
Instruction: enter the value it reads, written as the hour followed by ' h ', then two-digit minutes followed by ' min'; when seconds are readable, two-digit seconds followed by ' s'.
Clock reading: 12 h 02 min
